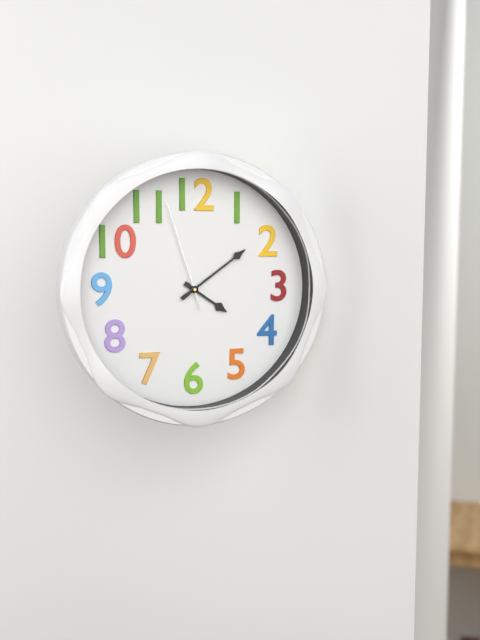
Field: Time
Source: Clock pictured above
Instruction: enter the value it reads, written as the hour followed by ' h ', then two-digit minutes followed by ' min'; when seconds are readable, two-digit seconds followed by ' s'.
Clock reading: 4 h 09 min 57 s
